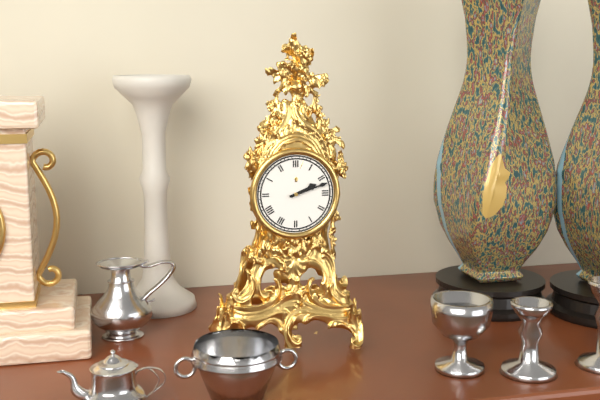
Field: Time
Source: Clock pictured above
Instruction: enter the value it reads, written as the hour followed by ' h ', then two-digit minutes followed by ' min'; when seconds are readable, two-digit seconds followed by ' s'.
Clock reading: 2 h 12 min
